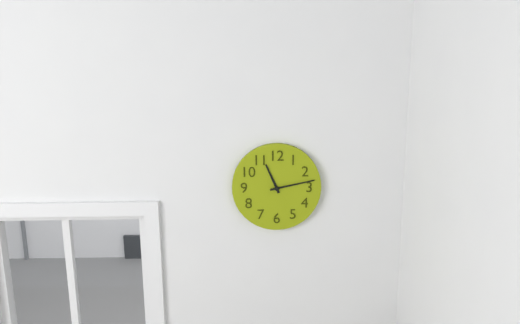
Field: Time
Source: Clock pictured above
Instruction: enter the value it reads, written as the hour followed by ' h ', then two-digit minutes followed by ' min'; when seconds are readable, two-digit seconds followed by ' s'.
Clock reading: 11 h 13 min
